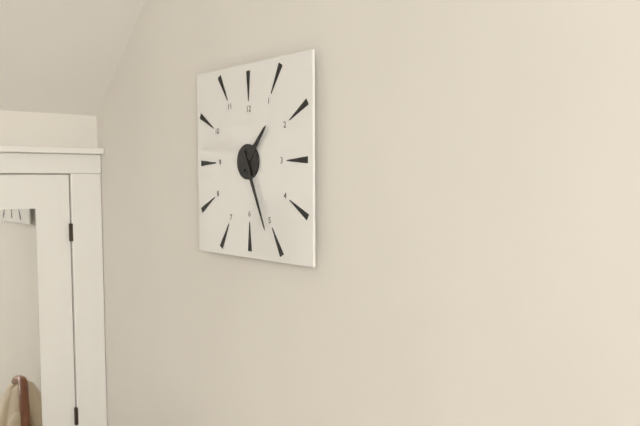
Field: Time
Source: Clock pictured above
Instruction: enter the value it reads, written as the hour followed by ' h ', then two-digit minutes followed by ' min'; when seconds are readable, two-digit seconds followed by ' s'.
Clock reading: 1 h 26 min
